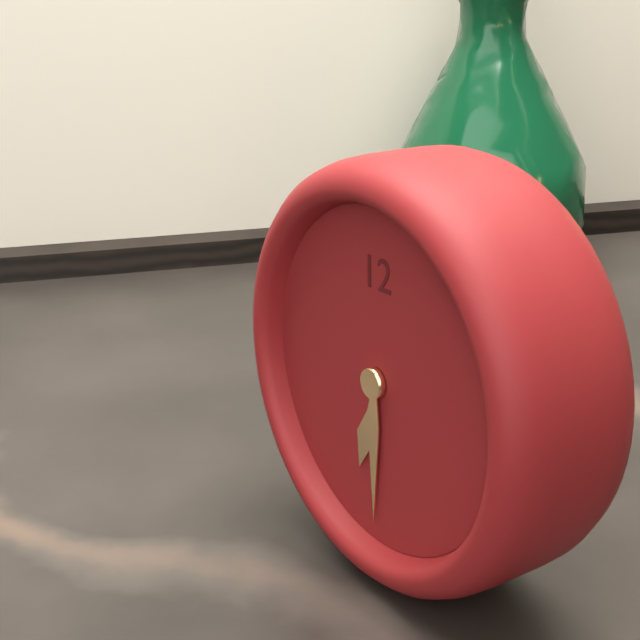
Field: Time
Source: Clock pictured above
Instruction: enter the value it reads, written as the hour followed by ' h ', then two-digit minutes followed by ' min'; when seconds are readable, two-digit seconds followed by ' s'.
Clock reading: 6 h 30 min
